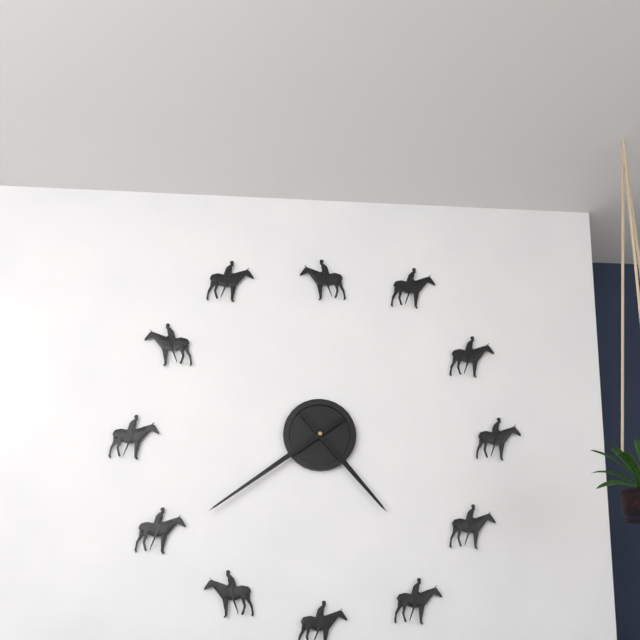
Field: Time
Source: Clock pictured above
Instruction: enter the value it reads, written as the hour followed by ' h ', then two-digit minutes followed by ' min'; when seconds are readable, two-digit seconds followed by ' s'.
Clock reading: 4 h 39 min
